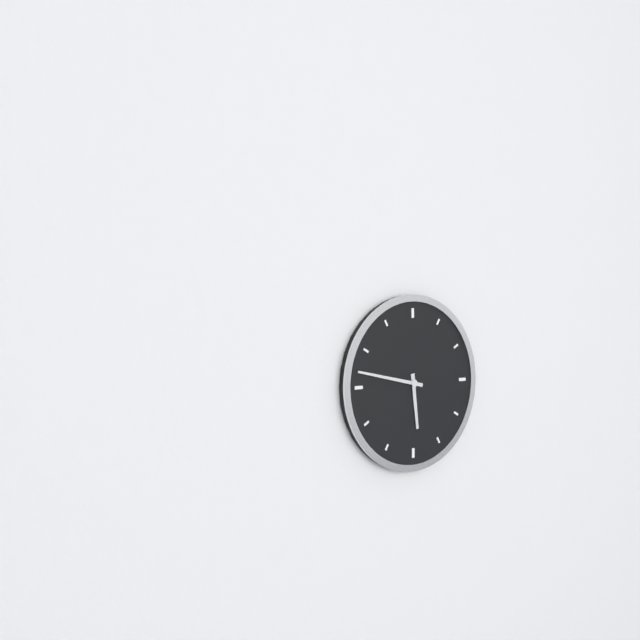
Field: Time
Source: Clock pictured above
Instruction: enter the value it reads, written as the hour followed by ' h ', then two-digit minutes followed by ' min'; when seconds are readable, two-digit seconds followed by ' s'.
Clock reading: 5 h 47 min
